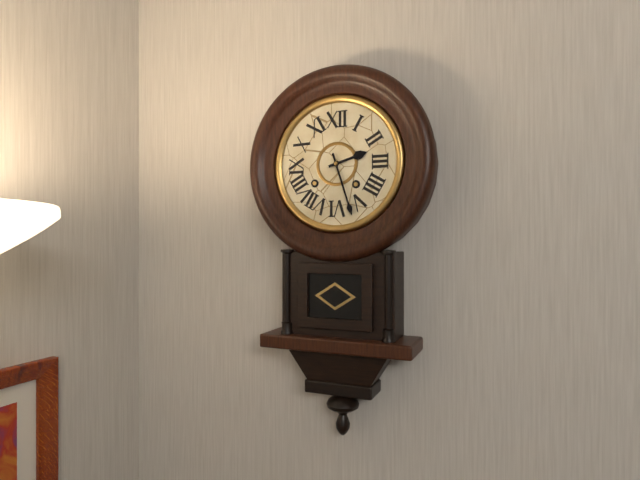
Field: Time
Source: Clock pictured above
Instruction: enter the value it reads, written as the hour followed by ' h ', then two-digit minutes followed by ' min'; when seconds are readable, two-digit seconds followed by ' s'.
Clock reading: 2 h 27 min
